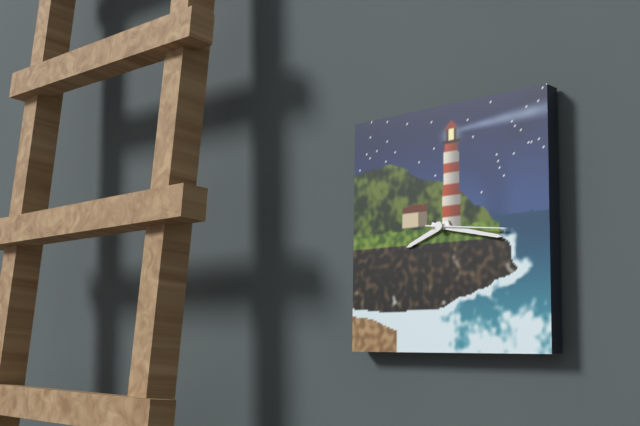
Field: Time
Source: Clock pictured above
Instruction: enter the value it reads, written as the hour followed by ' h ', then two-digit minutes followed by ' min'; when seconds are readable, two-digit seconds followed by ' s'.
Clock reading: 8 h 17 min 16 s
